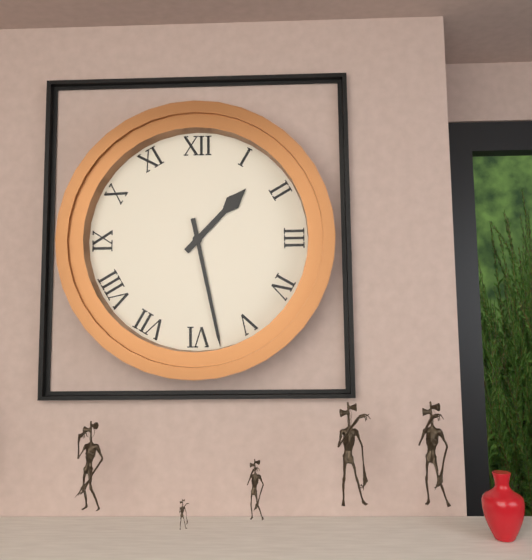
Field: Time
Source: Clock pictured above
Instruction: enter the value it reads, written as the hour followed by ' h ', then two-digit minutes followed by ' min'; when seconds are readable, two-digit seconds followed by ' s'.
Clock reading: 1 h 28 min
